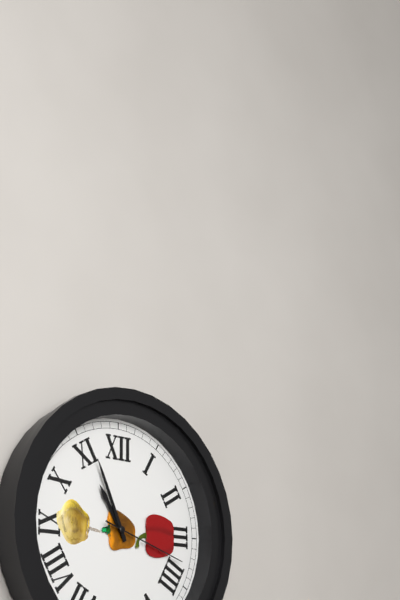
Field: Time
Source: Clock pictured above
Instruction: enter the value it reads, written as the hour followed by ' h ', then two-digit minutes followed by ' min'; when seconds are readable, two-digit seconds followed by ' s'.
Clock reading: 10 h 56 min 18 s
